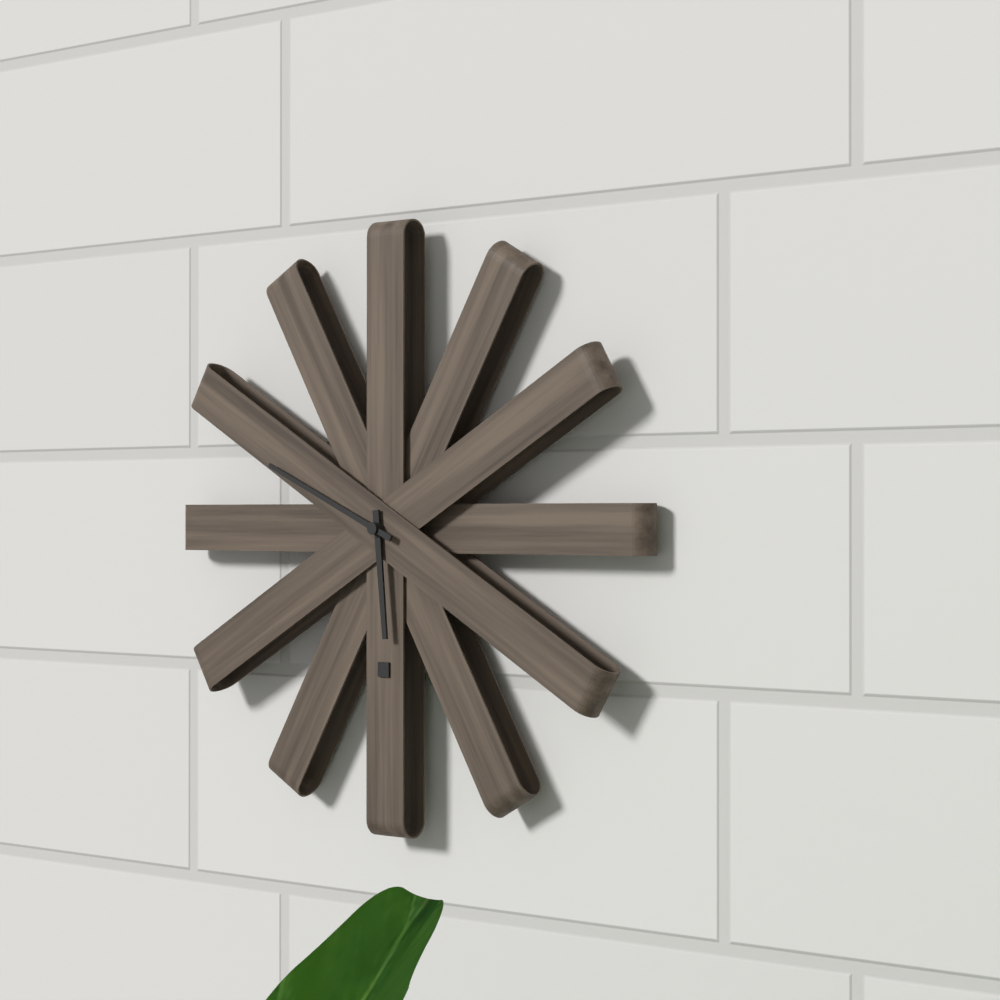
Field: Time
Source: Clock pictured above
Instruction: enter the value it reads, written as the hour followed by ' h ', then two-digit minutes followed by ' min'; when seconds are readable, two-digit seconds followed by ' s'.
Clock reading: 5 h 49 min
